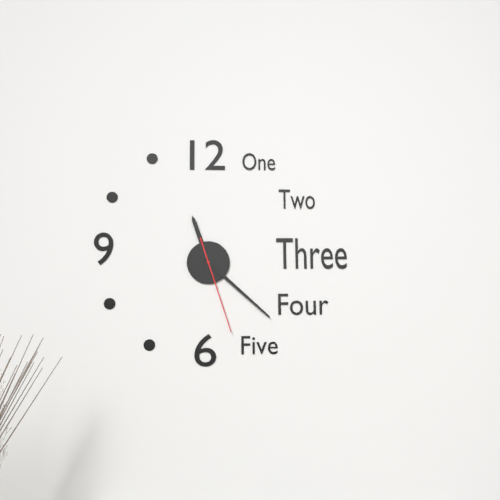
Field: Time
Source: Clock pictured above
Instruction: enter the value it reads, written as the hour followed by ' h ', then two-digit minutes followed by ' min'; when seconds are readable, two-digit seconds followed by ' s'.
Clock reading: 11 h 22 min 27 s
